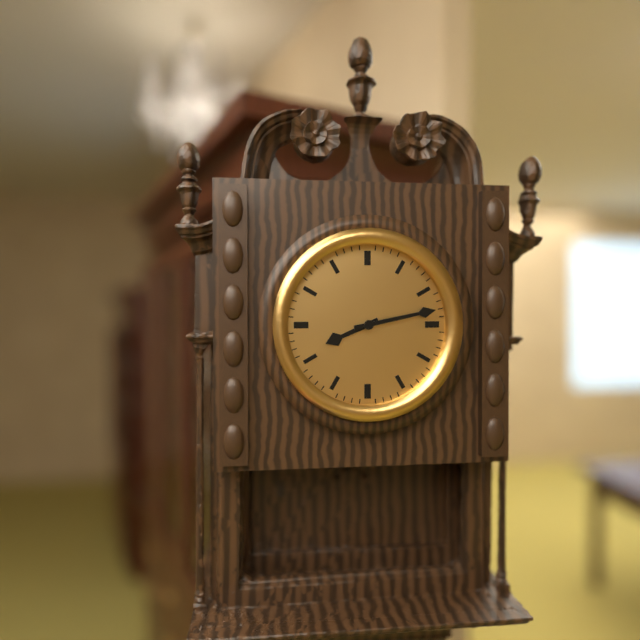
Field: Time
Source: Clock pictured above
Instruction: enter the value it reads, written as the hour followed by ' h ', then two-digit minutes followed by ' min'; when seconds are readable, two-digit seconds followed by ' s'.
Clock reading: 8 h 13 min
